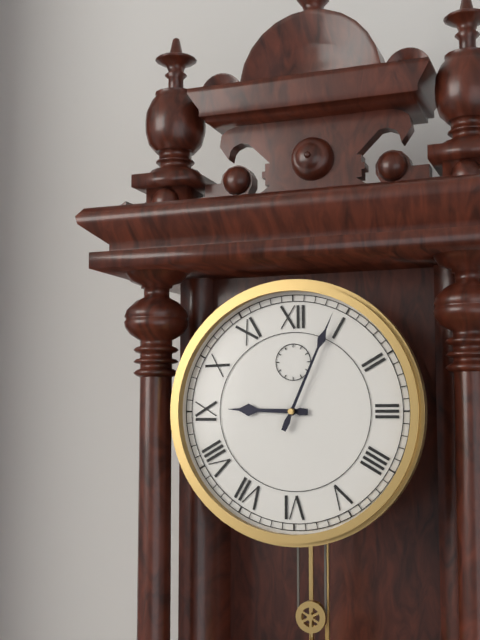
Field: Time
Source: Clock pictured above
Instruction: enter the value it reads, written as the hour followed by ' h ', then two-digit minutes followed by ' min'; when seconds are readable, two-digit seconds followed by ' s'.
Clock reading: 9 h 04 min
